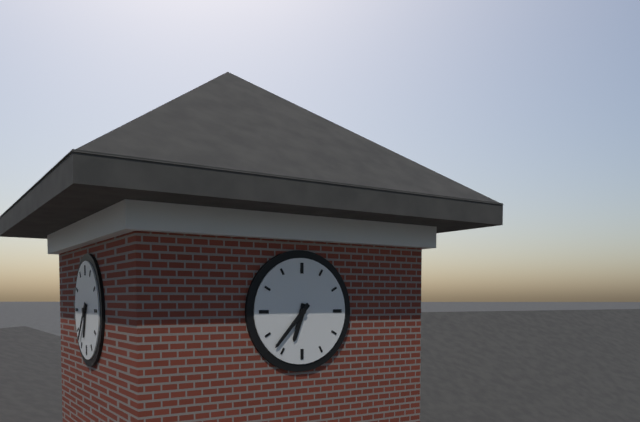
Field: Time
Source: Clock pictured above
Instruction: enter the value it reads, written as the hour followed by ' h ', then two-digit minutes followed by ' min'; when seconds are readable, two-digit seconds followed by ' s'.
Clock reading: 6 h 37 min
